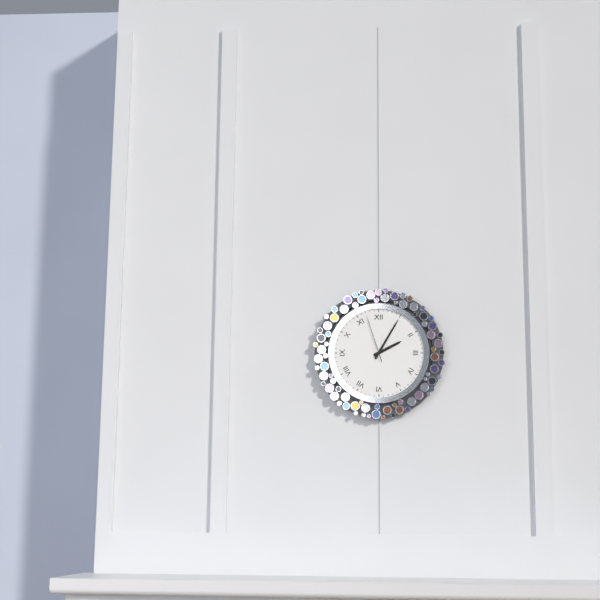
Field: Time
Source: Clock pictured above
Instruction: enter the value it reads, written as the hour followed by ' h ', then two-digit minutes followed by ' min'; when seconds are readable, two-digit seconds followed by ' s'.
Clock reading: 2 h 05 min 57 s
